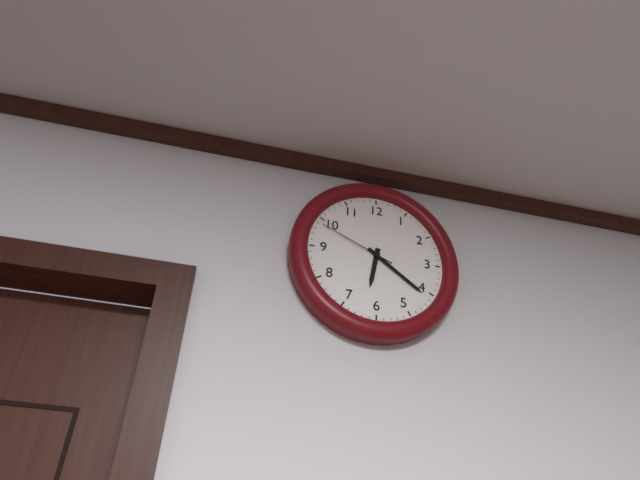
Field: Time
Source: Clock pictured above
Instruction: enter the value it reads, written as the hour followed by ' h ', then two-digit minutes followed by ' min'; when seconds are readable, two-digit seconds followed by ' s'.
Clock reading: 6 h 21 min 49 s
